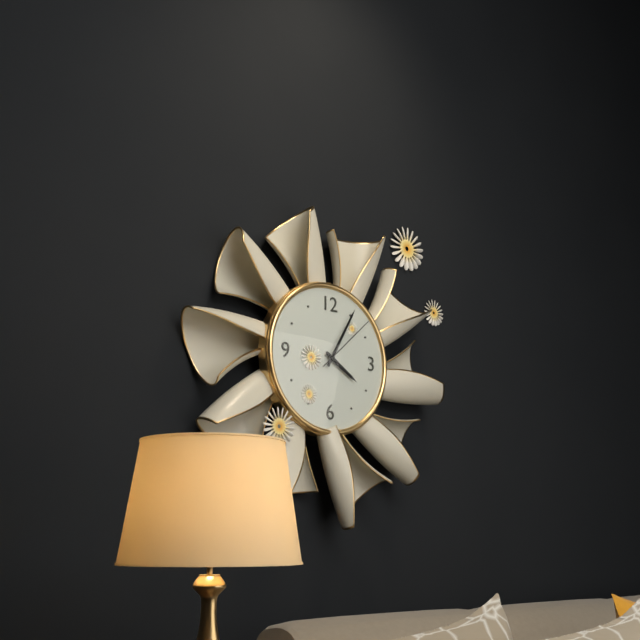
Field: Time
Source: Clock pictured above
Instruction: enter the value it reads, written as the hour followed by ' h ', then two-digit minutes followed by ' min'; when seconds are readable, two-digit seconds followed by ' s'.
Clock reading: 4 h 05 min 08 s
